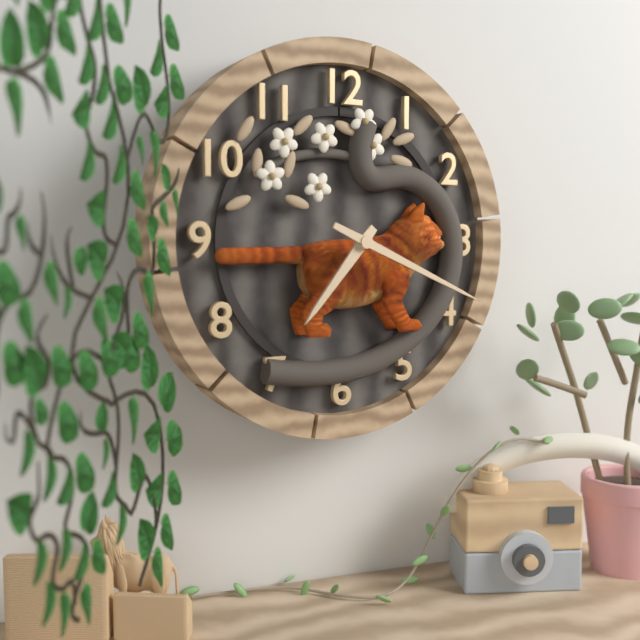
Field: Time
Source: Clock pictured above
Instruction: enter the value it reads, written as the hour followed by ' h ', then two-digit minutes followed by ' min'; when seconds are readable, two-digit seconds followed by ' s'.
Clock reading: 7 h 19 min
